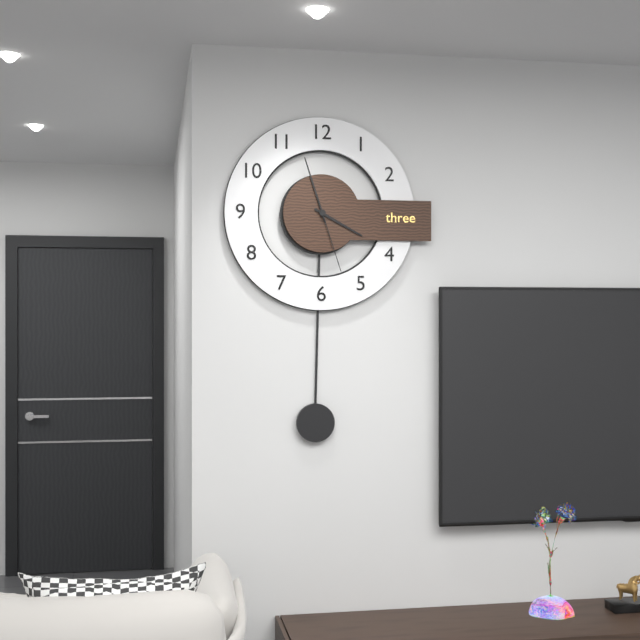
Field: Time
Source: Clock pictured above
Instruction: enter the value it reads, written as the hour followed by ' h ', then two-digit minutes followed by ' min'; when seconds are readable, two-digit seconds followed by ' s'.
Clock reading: 3 h 57 min 27 s
